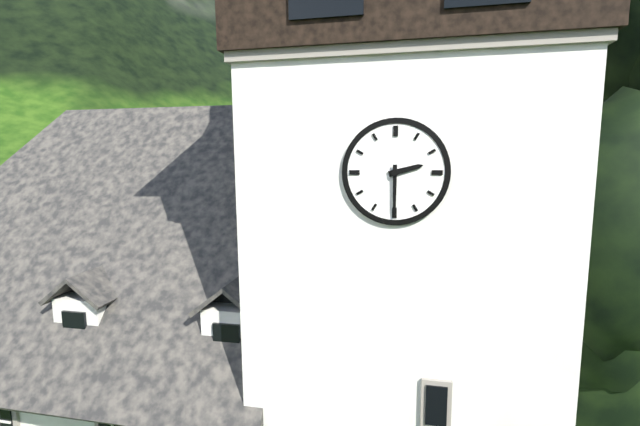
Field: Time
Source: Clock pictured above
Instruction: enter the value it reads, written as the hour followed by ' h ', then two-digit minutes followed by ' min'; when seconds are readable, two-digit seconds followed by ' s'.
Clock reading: 2 h 30 min
